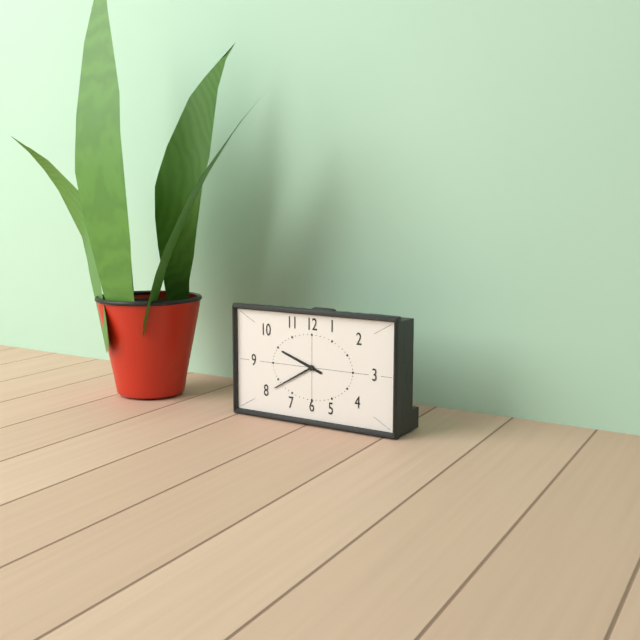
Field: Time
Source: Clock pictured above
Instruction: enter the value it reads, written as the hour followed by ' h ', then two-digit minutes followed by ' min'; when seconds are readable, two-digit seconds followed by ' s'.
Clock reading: 9 h 40 min
